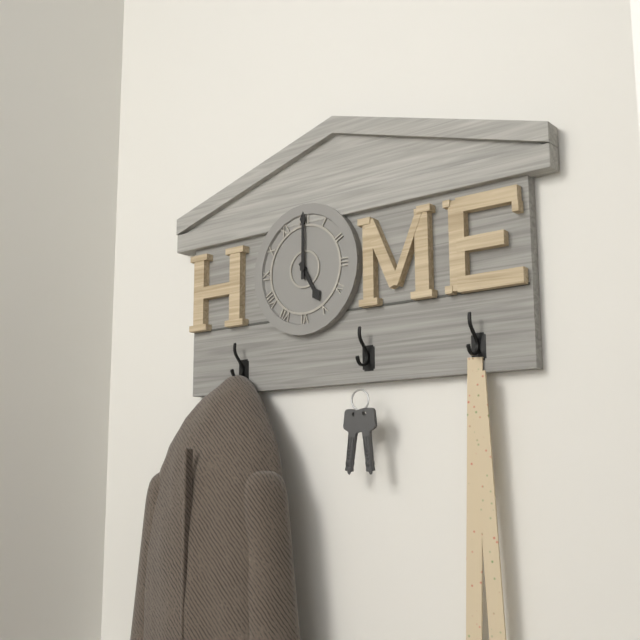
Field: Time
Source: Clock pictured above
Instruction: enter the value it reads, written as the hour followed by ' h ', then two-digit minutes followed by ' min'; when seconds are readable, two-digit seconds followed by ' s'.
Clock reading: 5 h 00 min
